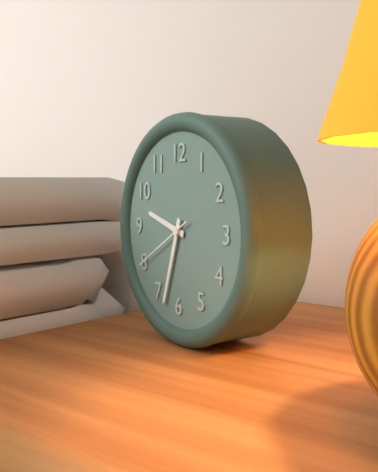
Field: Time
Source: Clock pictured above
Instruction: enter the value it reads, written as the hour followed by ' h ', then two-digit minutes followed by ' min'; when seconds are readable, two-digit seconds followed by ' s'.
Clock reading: 9 h 33 min 40 s
